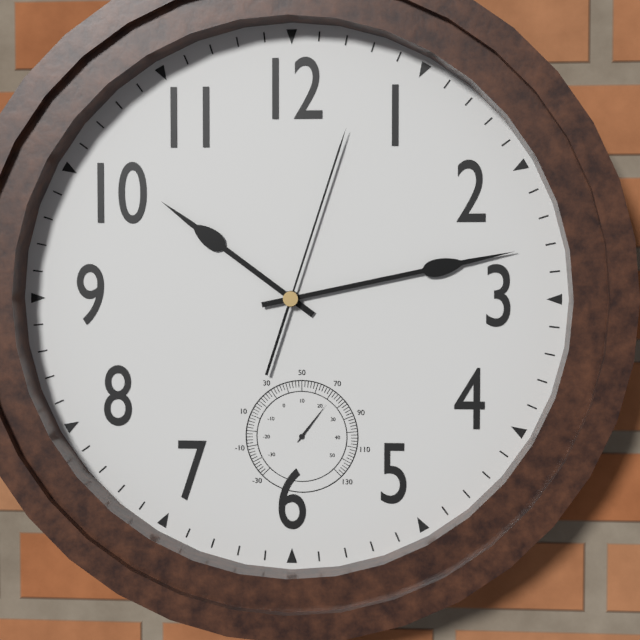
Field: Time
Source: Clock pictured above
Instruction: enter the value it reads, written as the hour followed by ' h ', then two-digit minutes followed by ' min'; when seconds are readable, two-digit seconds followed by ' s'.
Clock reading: 10 h 13 min 03 s
